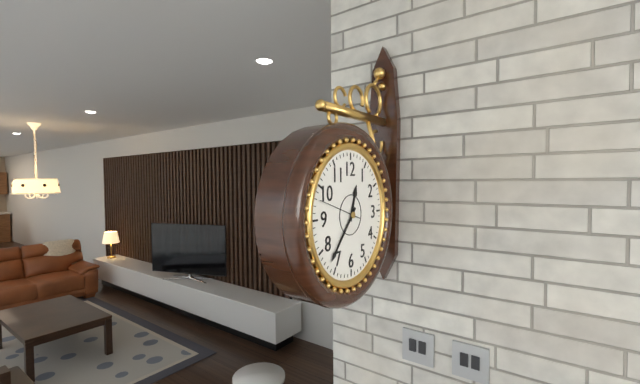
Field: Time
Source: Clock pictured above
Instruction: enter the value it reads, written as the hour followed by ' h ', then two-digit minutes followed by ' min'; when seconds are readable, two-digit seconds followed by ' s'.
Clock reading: 12 h 37 min
